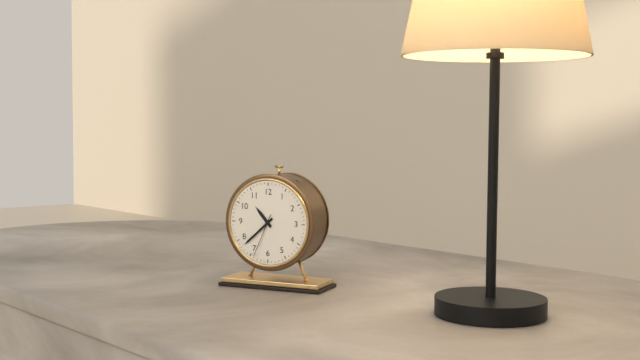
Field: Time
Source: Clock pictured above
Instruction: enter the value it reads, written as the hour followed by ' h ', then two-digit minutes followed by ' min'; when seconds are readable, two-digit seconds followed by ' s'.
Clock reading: 10 h 38 min
